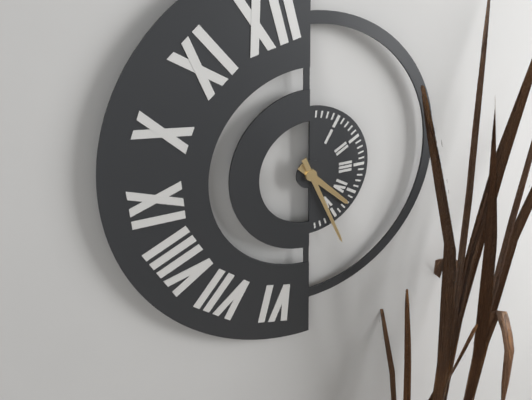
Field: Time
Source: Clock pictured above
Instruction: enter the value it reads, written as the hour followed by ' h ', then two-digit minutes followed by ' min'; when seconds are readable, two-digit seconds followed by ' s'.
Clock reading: 4 h 26 min
